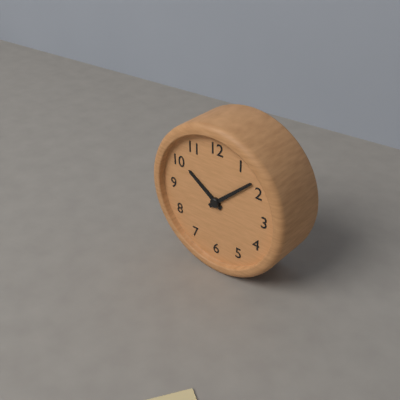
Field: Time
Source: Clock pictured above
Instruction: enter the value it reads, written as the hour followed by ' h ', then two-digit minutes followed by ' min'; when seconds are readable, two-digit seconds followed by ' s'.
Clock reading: 10 h 08 min
